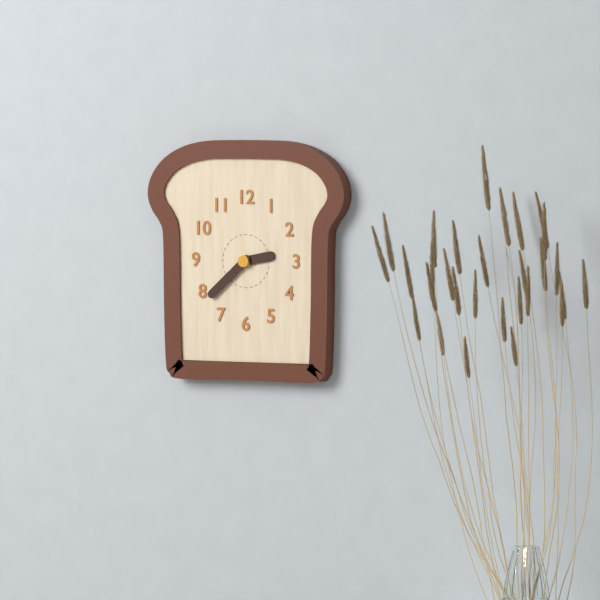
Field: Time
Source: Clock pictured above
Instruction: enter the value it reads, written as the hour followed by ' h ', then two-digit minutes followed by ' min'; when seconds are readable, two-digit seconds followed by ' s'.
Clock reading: 2 h 38 min
